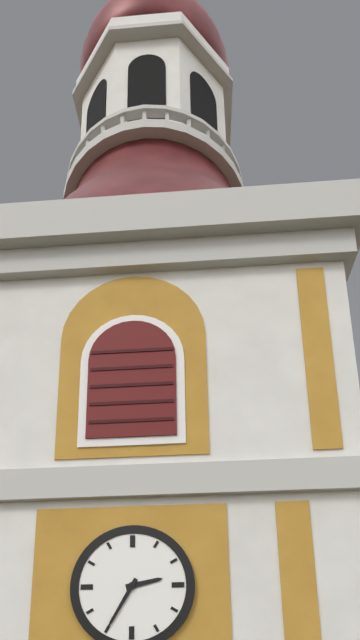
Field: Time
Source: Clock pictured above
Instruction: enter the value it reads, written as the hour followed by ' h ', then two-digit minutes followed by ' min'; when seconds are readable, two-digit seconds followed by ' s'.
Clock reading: 2 h 35 min
